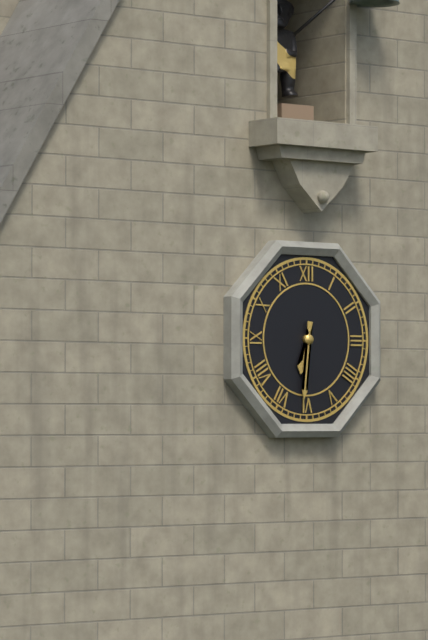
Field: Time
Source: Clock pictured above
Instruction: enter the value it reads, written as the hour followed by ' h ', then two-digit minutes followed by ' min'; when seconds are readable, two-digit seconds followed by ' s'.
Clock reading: 6 h 31 min
